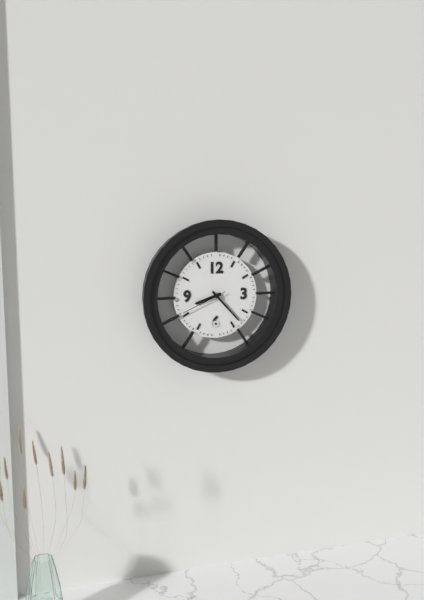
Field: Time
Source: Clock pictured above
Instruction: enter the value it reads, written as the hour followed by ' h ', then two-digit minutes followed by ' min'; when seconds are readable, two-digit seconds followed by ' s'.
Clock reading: 8 h 23 min
